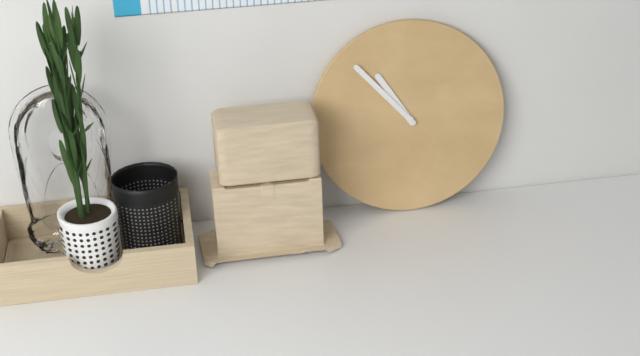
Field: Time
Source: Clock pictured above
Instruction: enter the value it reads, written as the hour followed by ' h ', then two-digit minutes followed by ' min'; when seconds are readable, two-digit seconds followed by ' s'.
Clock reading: 10 h 53 min
